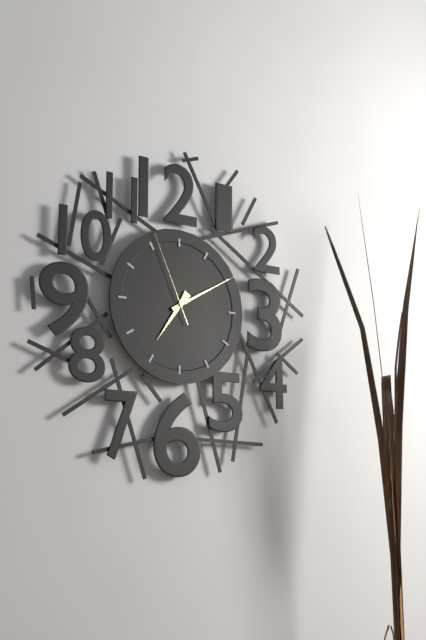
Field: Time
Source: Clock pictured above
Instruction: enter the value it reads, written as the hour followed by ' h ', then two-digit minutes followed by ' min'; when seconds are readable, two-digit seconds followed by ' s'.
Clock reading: 7 h 10 min 56 s
